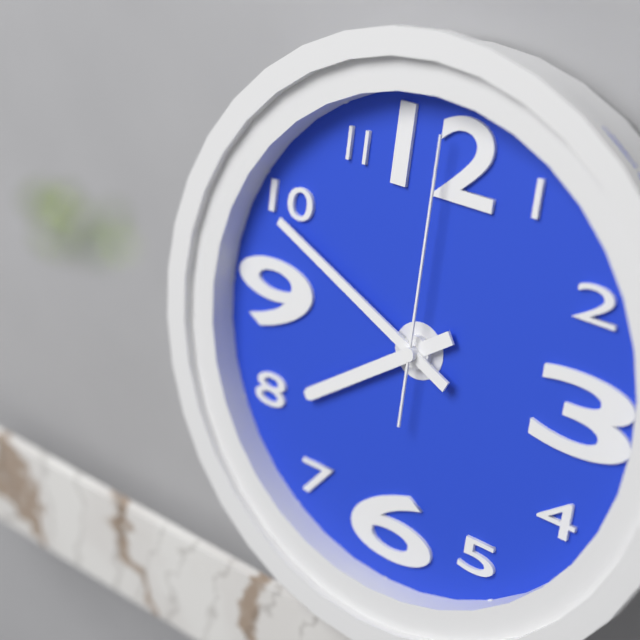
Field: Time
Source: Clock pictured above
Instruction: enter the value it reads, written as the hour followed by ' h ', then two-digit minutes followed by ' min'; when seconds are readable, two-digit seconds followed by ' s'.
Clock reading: 7 h 49 min 00 s
